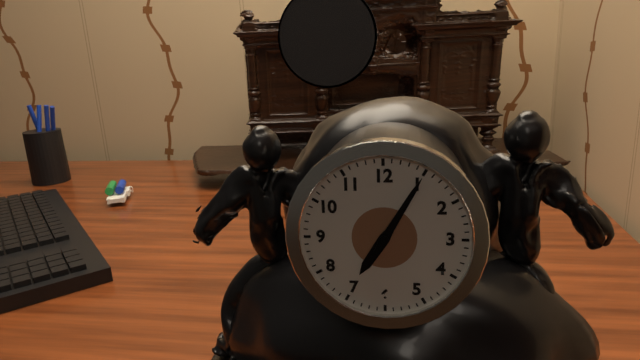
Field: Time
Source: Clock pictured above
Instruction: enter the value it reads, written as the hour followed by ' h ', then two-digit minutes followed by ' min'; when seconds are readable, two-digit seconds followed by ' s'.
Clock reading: 7 h 05 min
